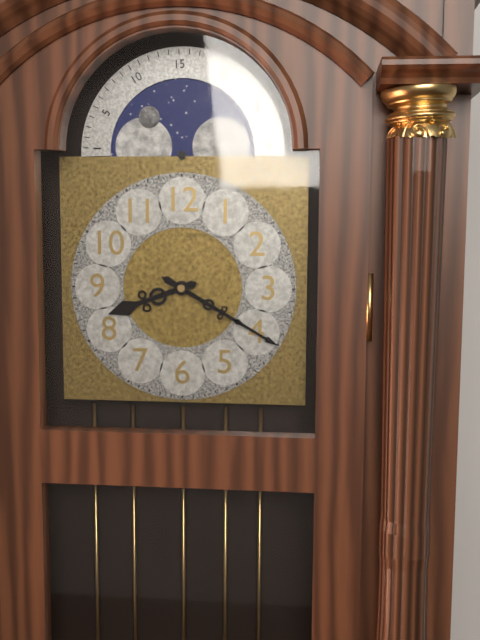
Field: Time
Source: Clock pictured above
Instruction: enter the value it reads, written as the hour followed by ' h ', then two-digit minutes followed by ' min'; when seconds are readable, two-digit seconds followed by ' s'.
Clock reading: 8 h 20 min
